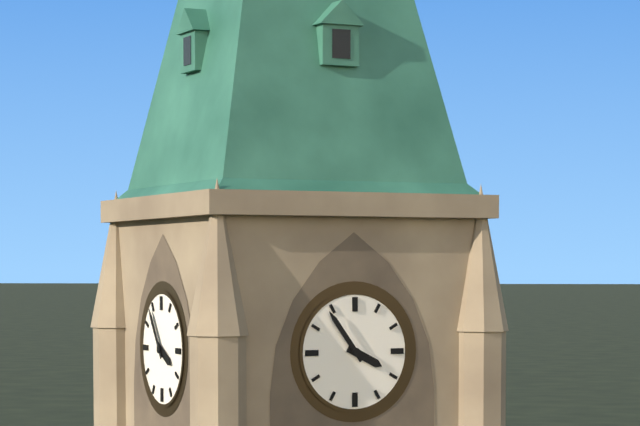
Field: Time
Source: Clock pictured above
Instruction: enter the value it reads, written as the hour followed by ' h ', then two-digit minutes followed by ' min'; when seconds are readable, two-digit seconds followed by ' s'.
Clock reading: 3 h 54 min
